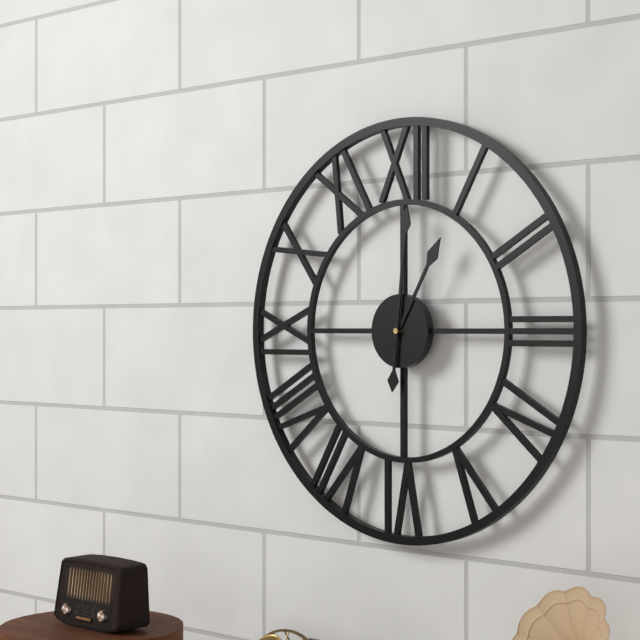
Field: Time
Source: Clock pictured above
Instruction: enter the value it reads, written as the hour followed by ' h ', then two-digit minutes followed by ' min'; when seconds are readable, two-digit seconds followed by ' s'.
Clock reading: 1 h 01 min
